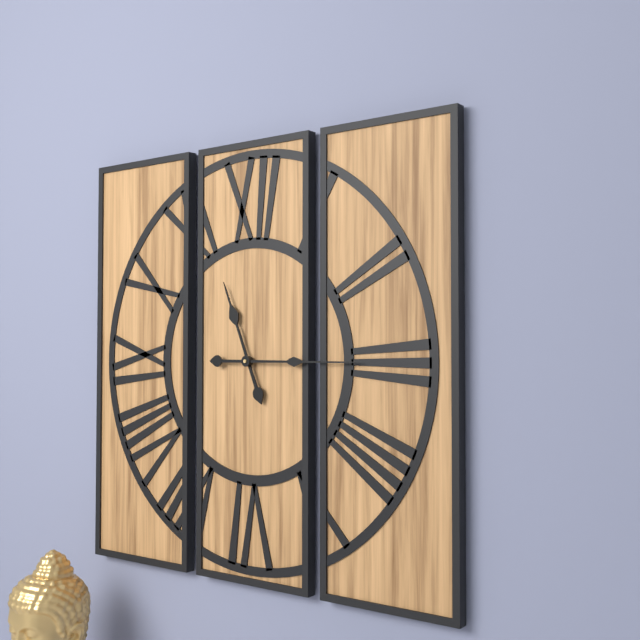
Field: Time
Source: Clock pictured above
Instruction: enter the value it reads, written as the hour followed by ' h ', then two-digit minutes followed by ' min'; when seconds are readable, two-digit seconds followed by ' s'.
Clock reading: 11 h 15 min
